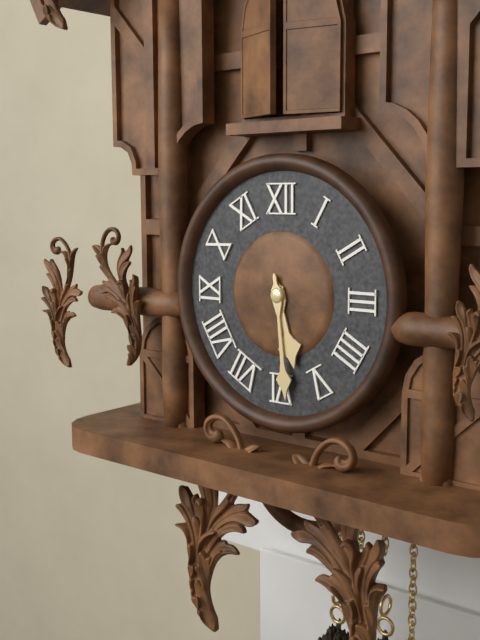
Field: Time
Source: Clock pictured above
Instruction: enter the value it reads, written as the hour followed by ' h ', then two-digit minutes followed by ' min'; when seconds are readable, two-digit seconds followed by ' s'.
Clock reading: 5 h 29 min
